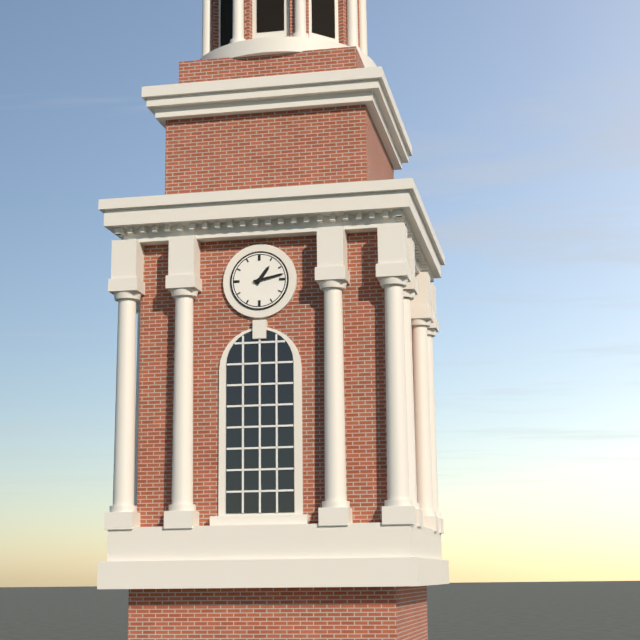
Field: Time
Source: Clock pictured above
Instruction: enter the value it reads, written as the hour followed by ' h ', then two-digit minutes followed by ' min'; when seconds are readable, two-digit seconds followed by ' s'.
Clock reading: 1 h 13 min
